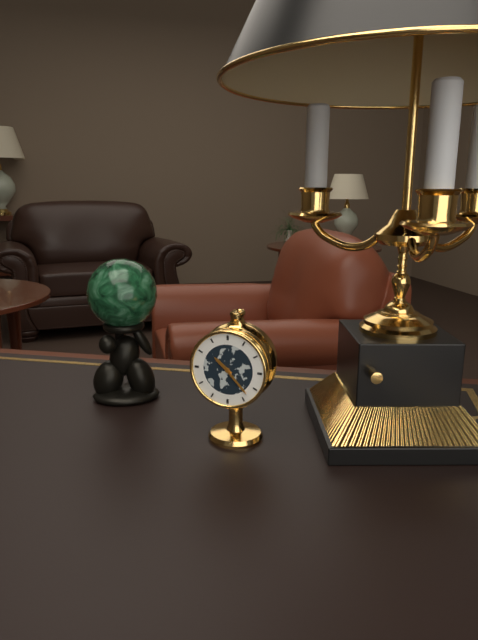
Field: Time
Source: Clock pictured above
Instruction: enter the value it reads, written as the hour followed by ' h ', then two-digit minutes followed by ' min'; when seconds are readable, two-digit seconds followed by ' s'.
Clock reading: 10 h 23 min
